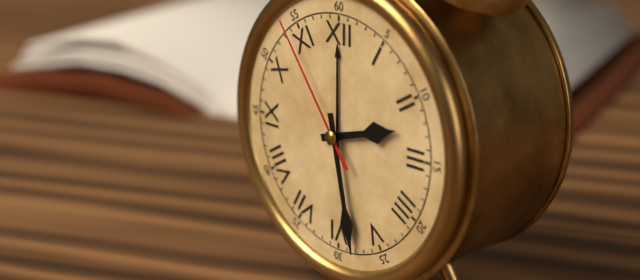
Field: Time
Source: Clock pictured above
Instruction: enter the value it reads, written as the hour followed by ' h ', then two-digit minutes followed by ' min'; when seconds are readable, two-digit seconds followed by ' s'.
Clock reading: 2 h 28 min 54 s
